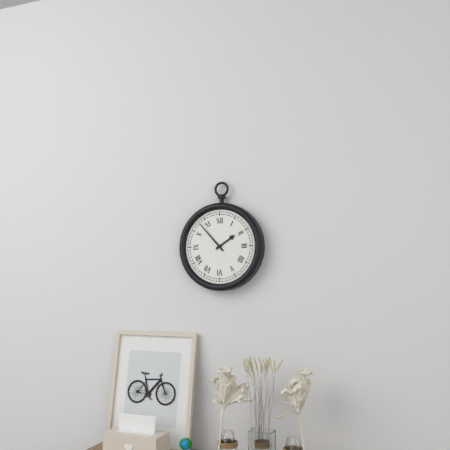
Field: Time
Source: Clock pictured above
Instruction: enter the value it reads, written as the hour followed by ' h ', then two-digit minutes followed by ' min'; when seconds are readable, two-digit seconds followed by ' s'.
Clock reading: 1 h 53 min
